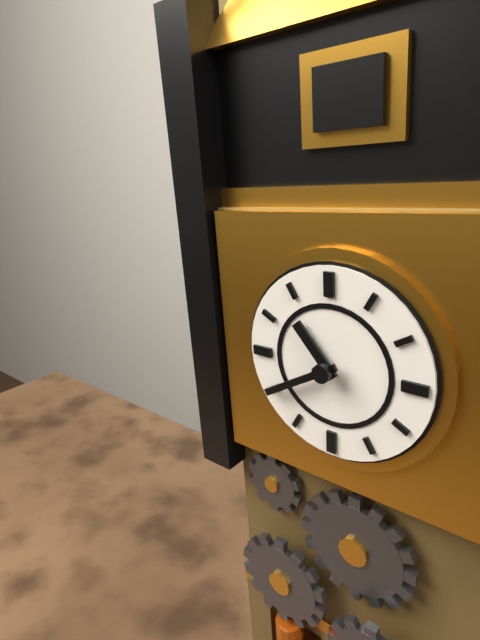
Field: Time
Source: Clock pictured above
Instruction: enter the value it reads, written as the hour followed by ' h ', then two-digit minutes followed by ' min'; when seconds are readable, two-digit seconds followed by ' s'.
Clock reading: 10 h 40 min
